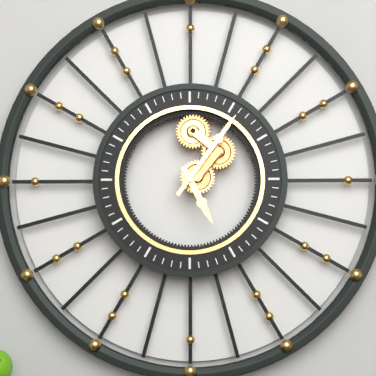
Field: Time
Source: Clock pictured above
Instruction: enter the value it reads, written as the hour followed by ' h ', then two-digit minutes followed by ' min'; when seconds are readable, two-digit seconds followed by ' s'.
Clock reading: 5 h 06 min
